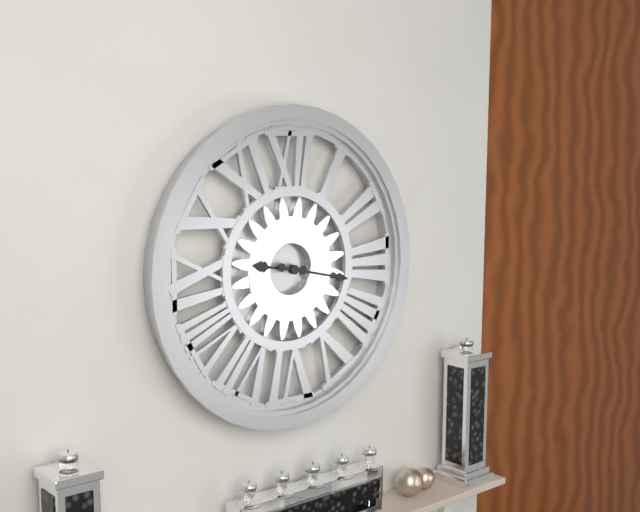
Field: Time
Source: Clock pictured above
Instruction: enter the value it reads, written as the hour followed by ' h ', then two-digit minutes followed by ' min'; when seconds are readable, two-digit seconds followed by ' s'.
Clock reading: 9 h 17 min
